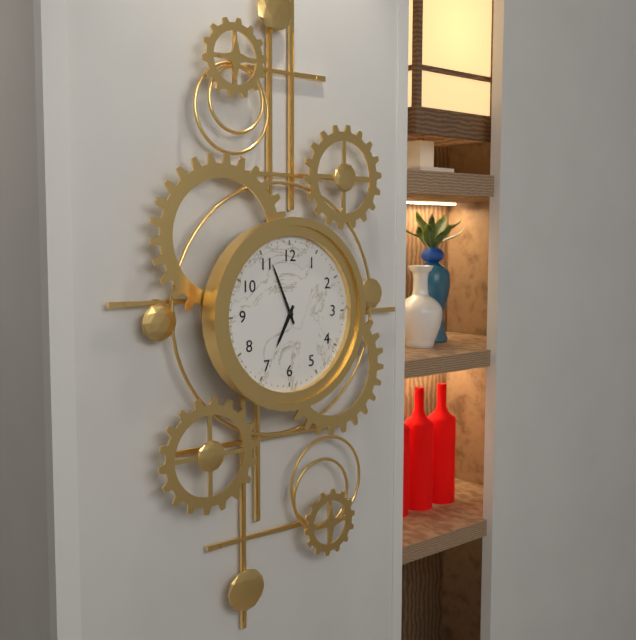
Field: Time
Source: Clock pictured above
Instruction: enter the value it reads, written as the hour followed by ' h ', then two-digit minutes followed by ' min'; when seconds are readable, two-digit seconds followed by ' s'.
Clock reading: 6 h 56 min
